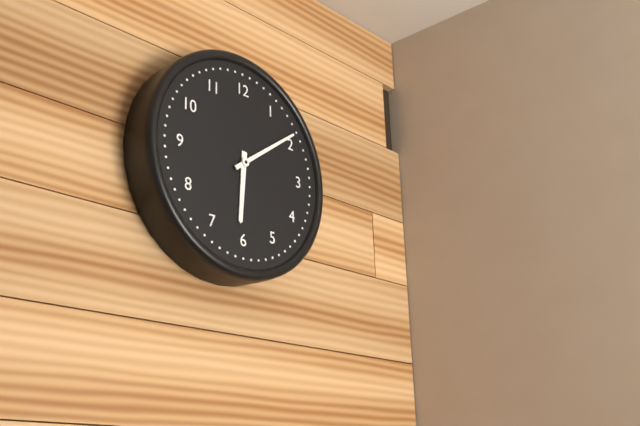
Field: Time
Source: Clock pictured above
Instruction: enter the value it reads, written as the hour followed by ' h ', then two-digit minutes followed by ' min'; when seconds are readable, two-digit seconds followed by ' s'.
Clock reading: 6 h 09 min
